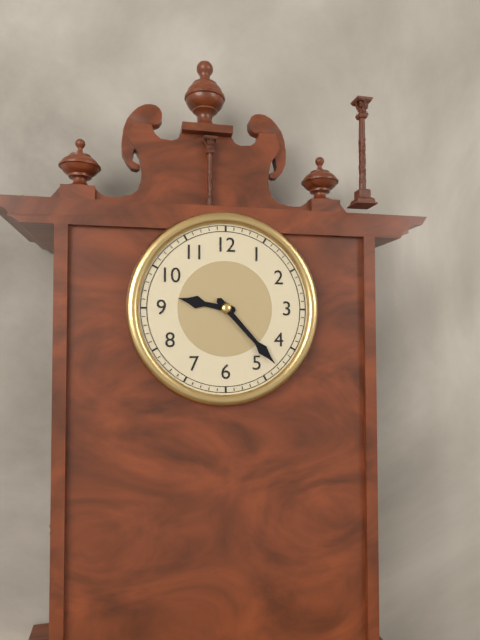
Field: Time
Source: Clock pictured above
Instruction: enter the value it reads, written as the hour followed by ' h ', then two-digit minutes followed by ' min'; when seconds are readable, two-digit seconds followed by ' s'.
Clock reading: 9 h 23 min
